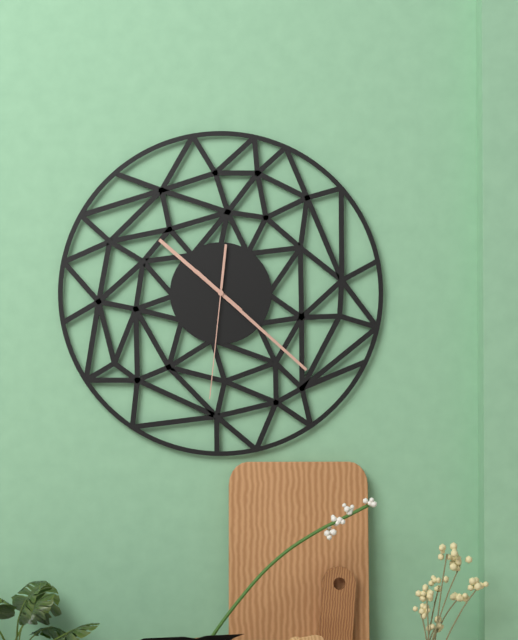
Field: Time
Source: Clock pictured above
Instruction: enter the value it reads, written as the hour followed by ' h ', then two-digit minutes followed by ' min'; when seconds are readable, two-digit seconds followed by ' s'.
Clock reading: 10 h 22 min 31 s
